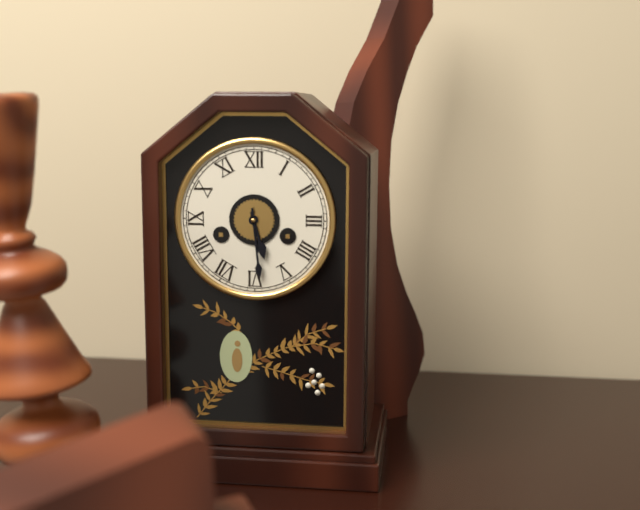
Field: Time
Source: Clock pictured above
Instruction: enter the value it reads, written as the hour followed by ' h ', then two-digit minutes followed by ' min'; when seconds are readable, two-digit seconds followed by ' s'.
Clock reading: 5 h 29 min
